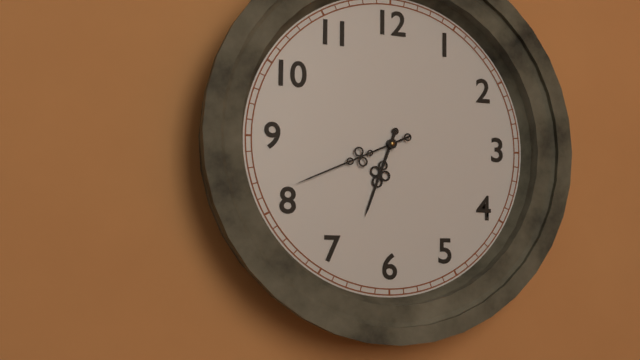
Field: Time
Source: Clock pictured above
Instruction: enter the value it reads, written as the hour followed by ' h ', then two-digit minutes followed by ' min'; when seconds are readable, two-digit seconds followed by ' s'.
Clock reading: 6 h 41 min
